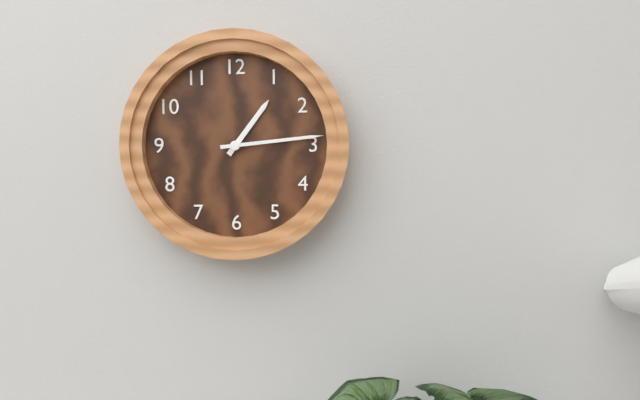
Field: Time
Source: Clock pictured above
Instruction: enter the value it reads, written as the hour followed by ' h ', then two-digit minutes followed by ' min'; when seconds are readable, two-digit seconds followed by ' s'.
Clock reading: 1 h 14 min
